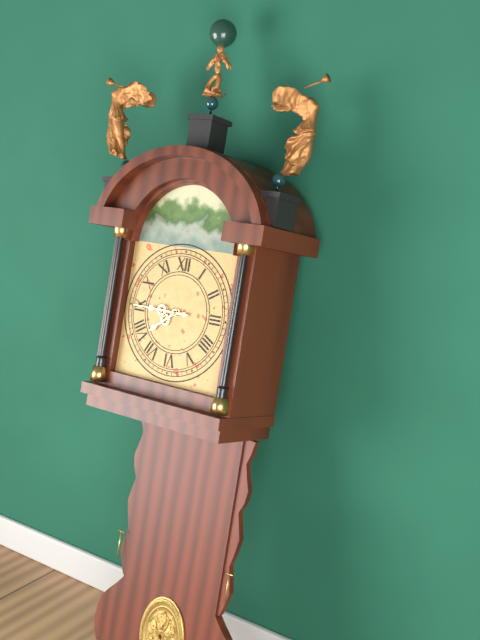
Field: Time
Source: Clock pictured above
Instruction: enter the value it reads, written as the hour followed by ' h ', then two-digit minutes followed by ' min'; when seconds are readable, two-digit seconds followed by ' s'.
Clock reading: 7 h 45 min
